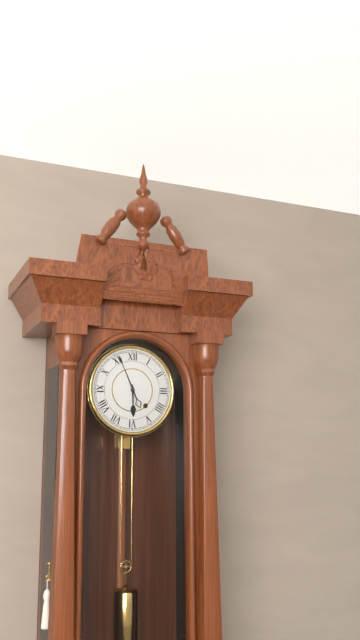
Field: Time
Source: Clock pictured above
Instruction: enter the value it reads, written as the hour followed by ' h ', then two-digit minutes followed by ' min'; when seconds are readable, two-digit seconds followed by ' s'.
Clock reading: 5 h 56 min
